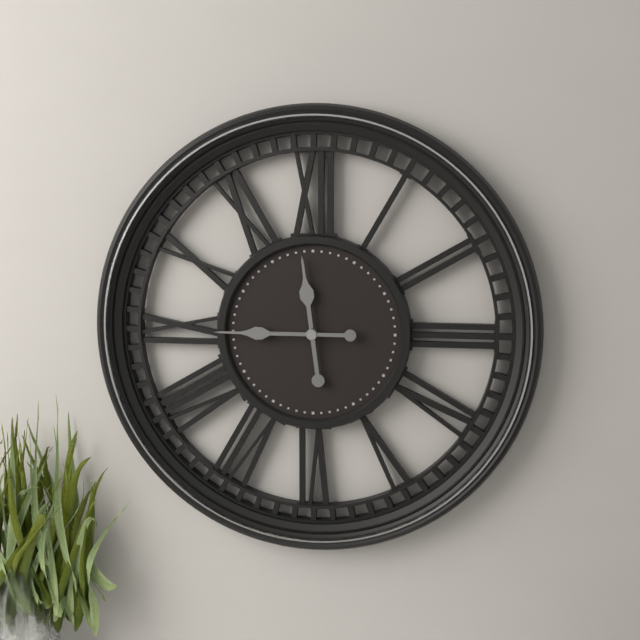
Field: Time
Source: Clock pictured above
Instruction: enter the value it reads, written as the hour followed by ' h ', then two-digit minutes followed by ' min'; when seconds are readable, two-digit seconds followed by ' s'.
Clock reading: 11 h 45 min
